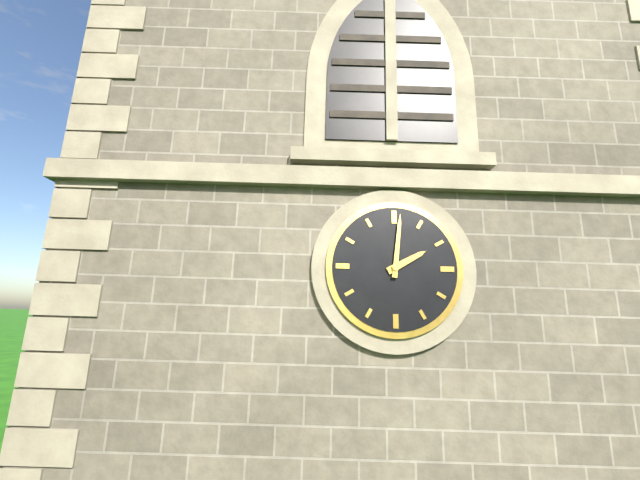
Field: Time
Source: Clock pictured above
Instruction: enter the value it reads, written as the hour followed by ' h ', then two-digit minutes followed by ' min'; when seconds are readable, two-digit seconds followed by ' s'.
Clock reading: 2 h 01 min
